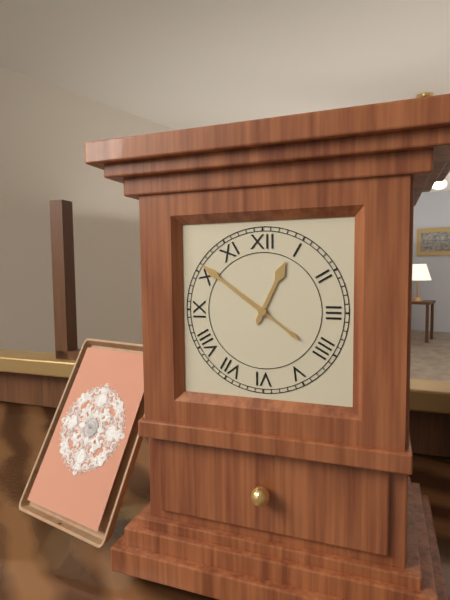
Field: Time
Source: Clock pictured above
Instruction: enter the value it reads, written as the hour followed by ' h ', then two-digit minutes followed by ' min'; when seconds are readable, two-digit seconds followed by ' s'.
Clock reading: 12 h 51 min
